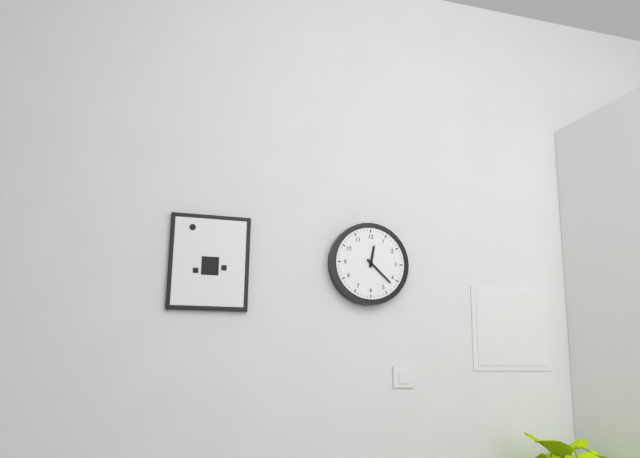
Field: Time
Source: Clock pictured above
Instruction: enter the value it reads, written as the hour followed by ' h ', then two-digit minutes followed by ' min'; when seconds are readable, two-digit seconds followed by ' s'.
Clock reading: 12 h 22 min
